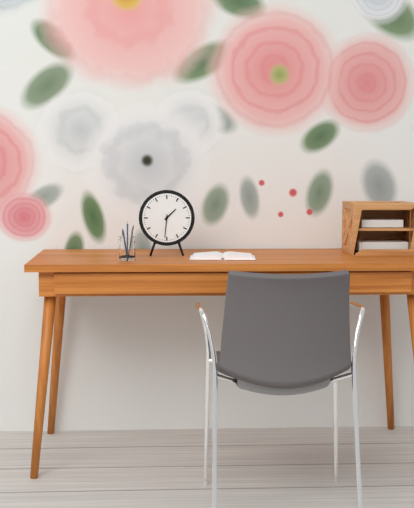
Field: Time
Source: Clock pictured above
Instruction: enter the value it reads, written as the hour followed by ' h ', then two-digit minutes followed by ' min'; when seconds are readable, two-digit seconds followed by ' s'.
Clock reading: 1 h 31 min
